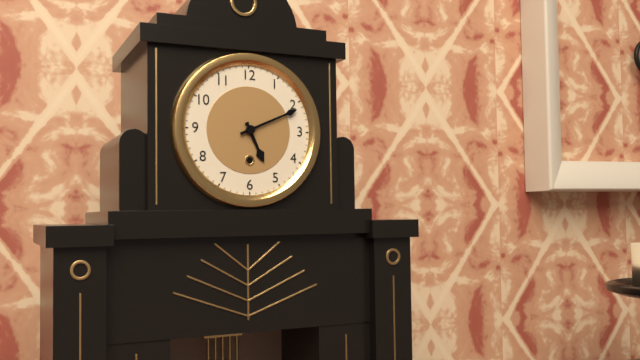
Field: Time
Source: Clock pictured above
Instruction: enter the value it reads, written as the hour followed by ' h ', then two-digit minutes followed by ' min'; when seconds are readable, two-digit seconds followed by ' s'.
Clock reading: 5 h 11 min
